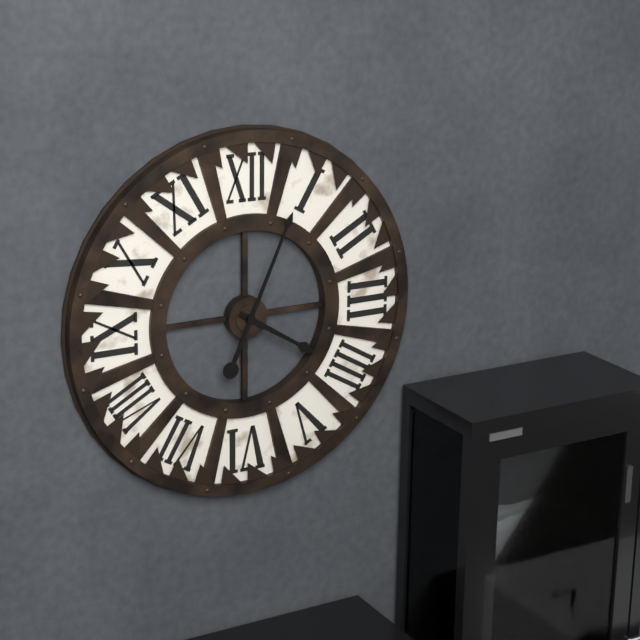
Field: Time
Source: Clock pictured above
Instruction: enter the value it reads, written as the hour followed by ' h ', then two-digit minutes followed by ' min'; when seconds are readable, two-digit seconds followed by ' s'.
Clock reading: 4 h 04 min
